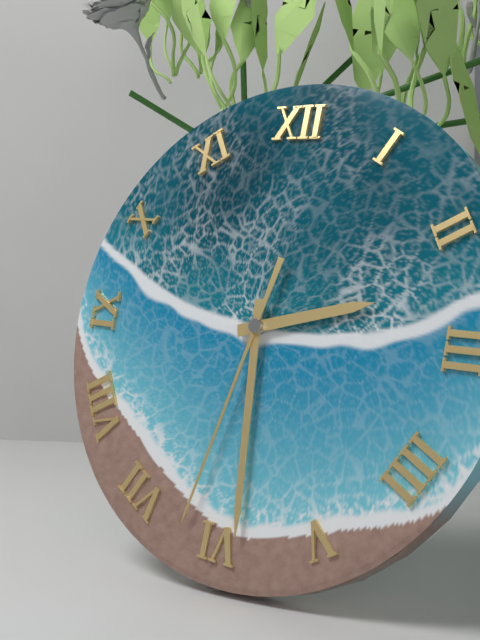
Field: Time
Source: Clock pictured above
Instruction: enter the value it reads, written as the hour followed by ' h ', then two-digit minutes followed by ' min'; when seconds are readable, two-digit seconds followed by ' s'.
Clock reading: 2 h 29 min 32 s
